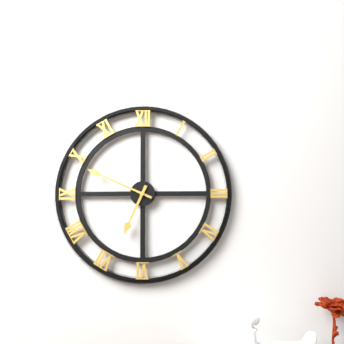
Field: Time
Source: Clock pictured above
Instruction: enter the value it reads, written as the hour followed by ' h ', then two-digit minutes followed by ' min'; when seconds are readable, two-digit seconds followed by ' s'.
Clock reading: 6 h 49 min
